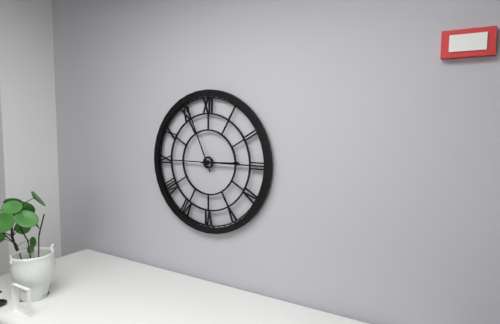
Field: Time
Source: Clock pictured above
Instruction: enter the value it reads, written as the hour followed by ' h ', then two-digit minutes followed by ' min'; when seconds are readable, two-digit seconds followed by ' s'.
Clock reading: 2 h 56 min
